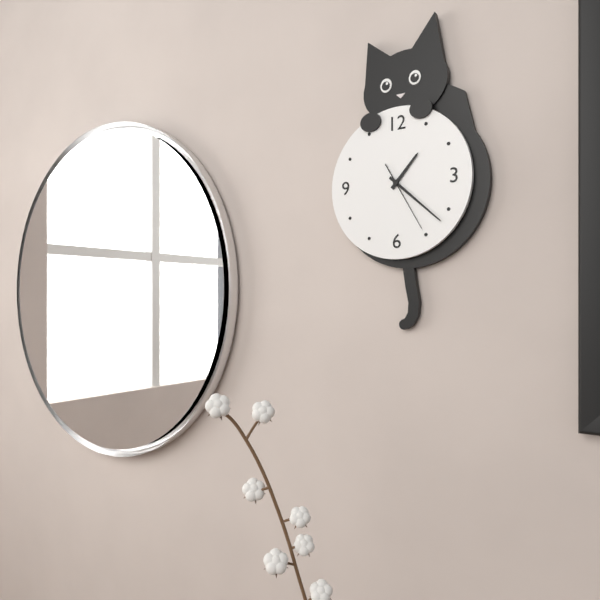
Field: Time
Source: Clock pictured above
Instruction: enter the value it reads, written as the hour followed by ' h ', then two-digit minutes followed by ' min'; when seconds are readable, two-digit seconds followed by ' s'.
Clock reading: 1 h 22 min 25 s
